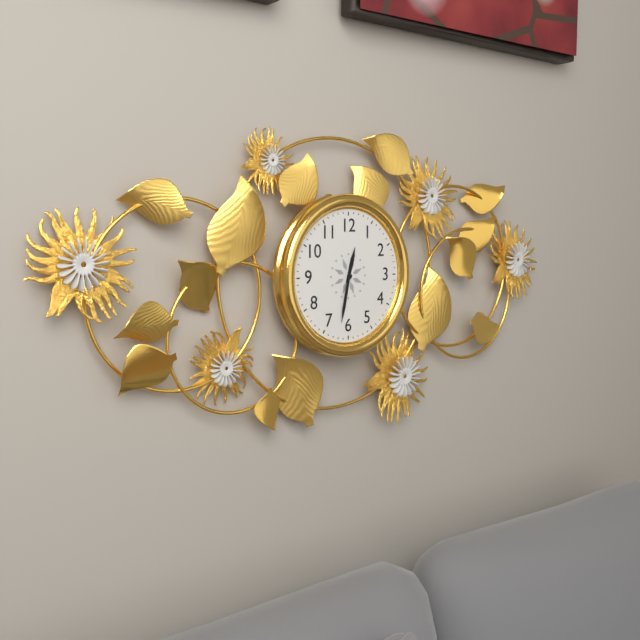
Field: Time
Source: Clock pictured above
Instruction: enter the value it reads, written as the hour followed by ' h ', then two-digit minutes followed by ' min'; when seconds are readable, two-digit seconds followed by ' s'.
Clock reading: 12 h 32 min
